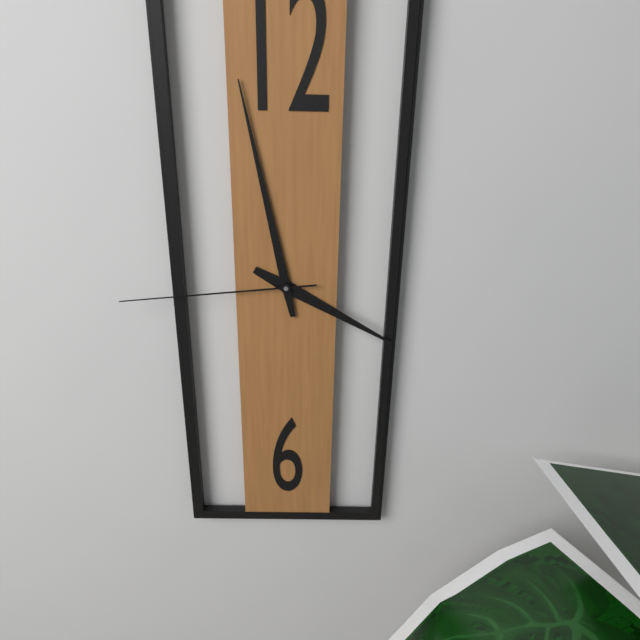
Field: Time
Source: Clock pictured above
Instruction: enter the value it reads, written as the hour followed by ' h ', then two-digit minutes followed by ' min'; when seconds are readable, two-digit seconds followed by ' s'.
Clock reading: 3 h 58 min 44 s
